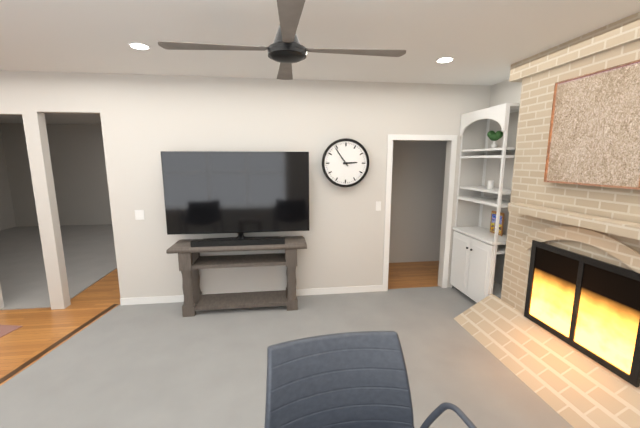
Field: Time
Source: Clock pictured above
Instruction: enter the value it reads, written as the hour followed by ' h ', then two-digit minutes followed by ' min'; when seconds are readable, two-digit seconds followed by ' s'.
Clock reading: 2 h 54 min
